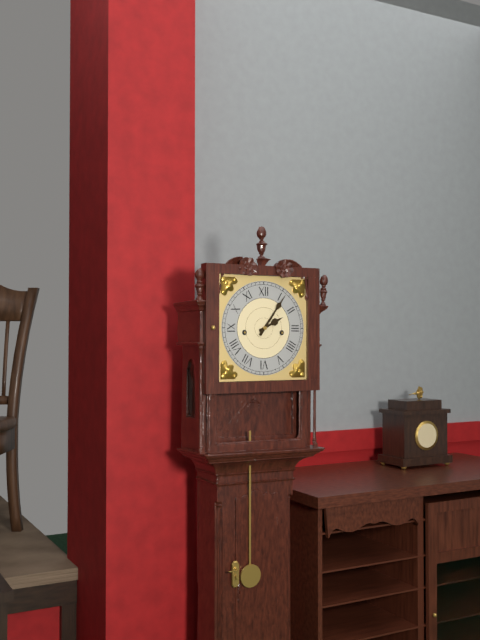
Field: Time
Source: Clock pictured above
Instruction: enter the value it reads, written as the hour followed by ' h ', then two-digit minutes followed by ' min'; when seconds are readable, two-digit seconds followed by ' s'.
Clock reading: 2 h 06 min
